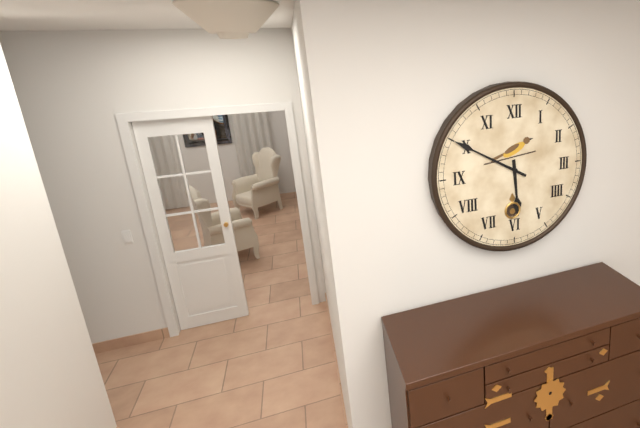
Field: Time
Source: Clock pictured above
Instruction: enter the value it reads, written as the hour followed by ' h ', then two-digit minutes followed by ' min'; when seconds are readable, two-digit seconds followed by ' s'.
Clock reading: 5 h 50 min
